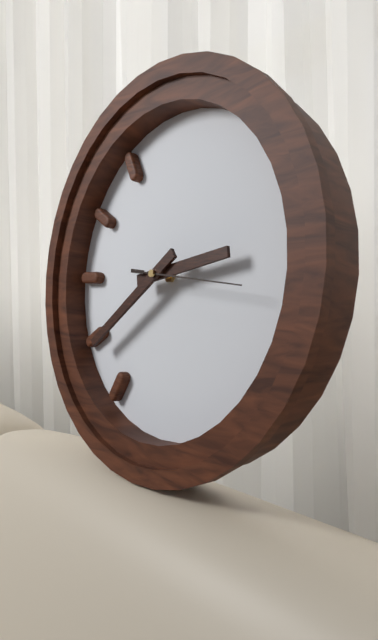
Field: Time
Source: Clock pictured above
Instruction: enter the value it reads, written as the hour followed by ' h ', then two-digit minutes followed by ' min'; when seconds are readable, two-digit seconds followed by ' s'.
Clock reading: 2 h 39 min 16 s
